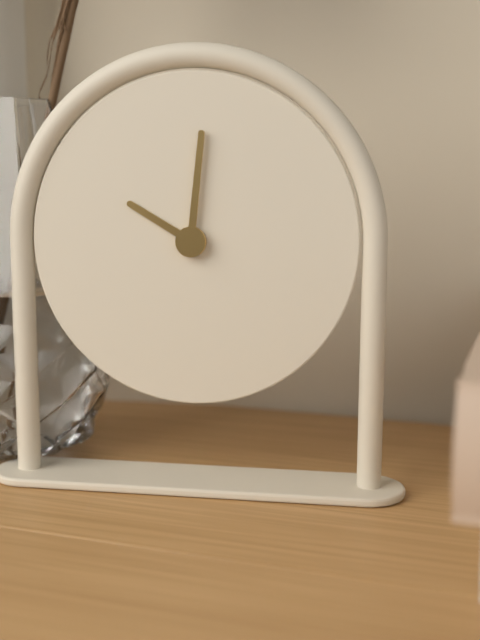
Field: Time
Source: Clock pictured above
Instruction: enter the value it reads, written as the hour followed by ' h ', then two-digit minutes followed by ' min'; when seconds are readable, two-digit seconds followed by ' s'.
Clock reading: 10 h 01 min
